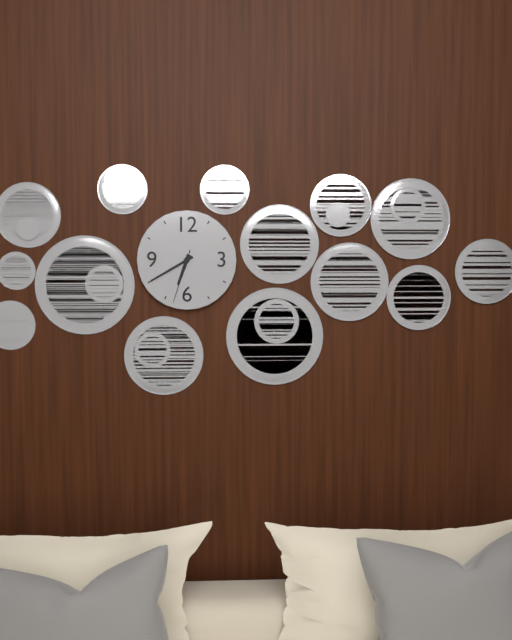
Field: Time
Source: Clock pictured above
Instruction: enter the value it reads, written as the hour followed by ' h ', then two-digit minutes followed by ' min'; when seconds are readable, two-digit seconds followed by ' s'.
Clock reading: 6 h 40 min 33 s
